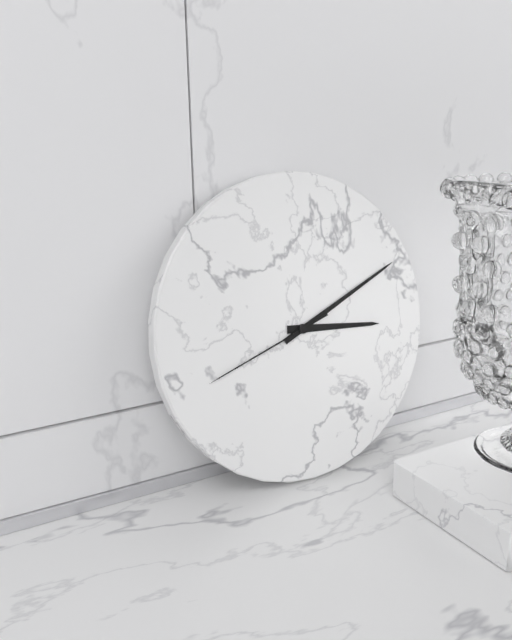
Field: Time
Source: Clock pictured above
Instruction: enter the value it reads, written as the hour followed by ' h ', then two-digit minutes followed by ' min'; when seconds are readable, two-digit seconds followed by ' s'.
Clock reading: 3 h 11 min 42 s
